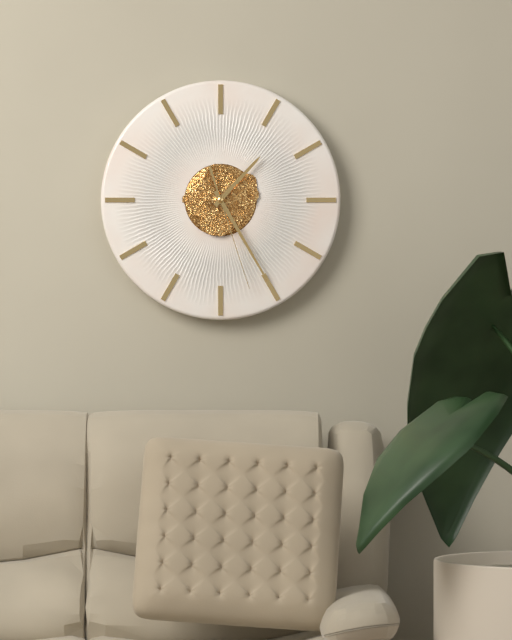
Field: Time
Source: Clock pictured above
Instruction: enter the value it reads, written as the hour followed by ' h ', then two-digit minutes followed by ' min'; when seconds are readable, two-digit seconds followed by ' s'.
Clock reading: 1 h 25 min 27 s
